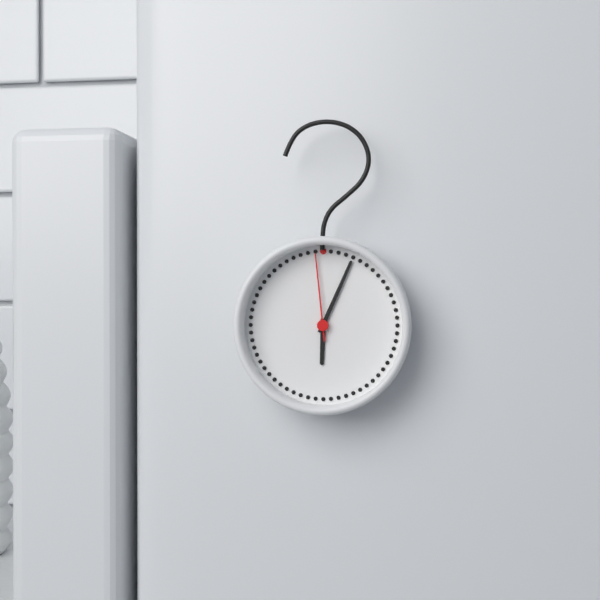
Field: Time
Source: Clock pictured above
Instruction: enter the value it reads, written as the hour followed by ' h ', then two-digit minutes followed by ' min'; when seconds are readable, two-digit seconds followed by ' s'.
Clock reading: 6 h 04 min 59 s
